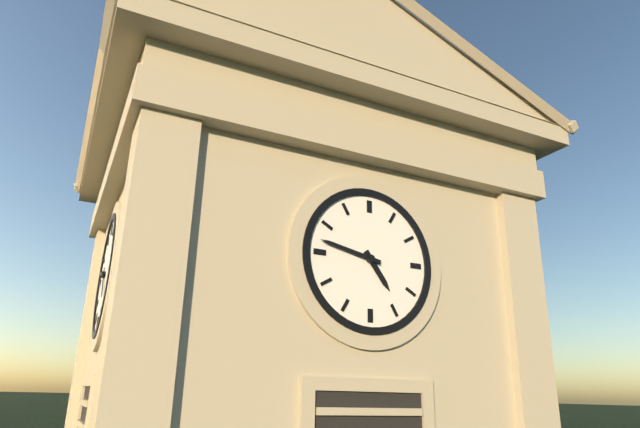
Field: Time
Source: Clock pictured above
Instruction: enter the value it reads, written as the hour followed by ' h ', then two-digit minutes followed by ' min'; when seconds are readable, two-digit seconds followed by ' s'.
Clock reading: 4 h 47 min
